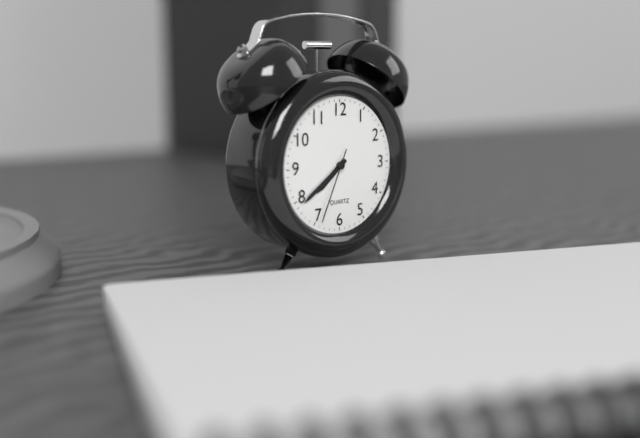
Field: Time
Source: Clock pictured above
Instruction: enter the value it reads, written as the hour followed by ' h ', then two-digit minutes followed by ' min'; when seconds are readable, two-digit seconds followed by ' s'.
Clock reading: 7 h 39 min 34 s
